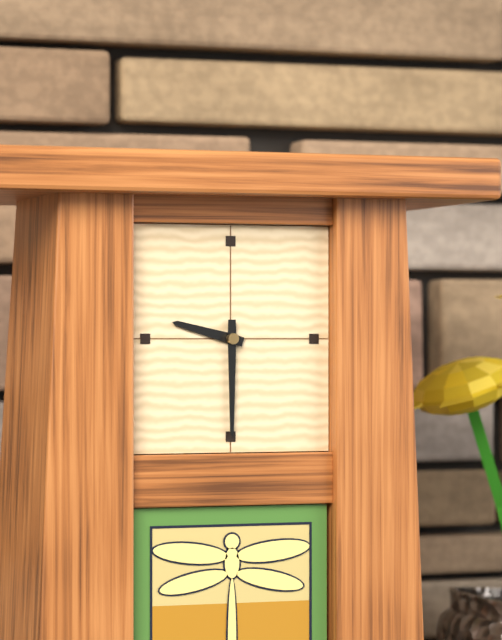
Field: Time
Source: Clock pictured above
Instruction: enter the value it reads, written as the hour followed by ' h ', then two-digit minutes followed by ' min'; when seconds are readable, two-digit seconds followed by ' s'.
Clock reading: 9 h 30 min
